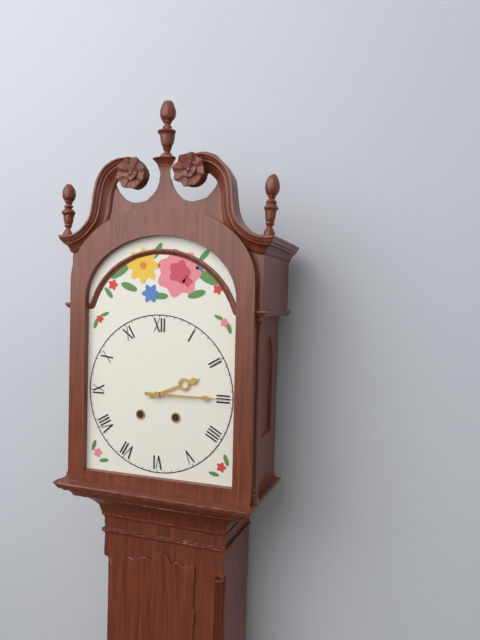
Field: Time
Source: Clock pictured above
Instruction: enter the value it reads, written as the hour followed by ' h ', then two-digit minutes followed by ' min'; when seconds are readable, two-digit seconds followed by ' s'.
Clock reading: 2 h 15 min
